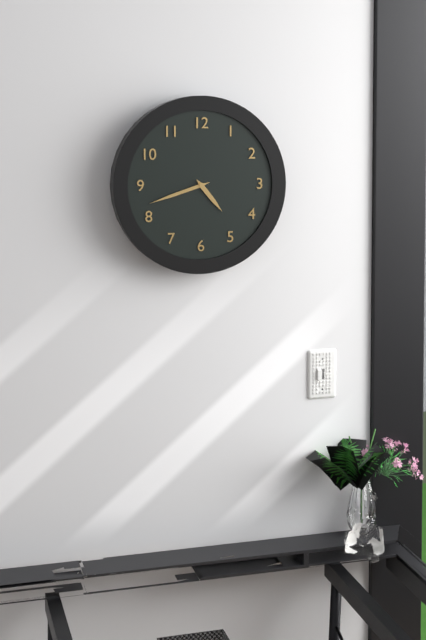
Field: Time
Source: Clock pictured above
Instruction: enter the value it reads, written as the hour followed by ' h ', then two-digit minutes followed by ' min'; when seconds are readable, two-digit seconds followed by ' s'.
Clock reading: 4 h 42 min
